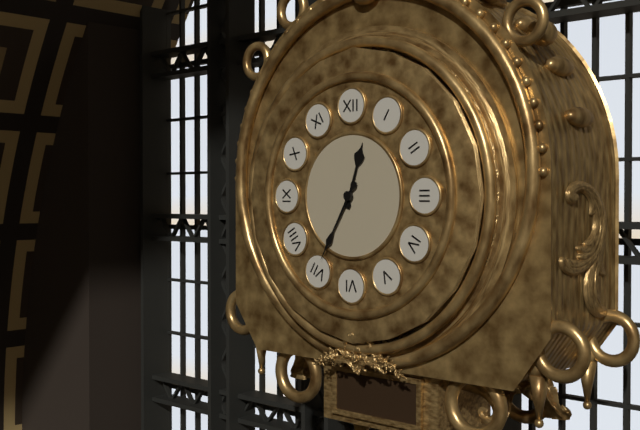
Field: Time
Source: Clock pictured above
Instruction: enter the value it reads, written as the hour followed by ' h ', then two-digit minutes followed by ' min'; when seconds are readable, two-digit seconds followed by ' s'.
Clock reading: 12 h 35 min
